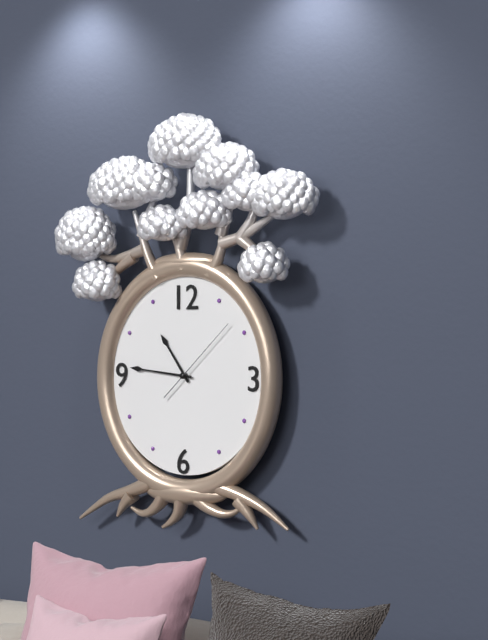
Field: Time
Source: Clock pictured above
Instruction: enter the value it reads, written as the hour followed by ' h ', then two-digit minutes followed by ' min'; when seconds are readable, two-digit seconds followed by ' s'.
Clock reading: 10 h 46 min 08 s
